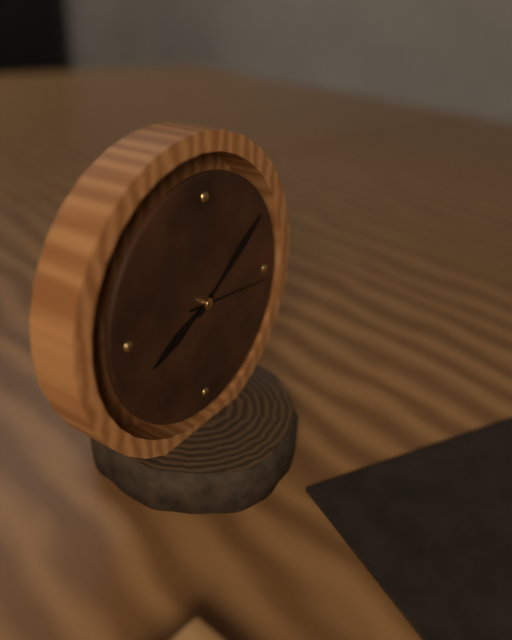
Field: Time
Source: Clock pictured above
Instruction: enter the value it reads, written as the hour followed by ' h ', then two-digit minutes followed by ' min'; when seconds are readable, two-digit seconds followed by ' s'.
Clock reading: 8 h 09 min 16 s
